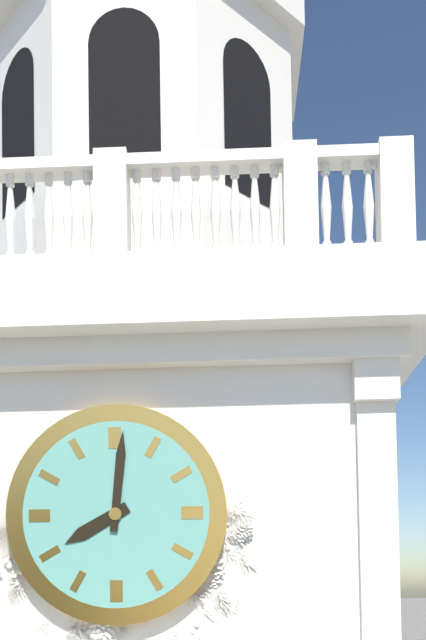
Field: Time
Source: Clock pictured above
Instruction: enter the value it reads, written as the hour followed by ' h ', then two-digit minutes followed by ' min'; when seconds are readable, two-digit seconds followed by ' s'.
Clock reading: 8 h 01 min
